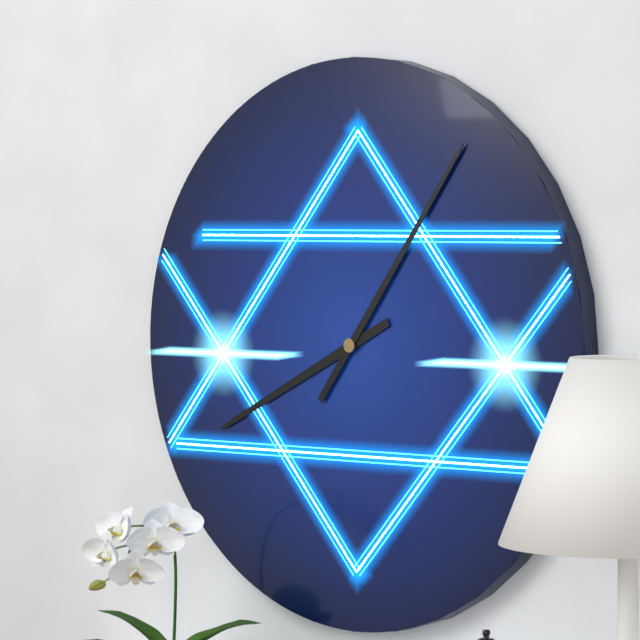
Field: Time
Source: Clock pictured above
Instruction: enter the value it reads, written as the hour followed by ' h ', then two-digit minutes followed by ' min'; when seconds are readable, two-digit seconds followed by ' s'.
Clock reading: 8 h 06 min
